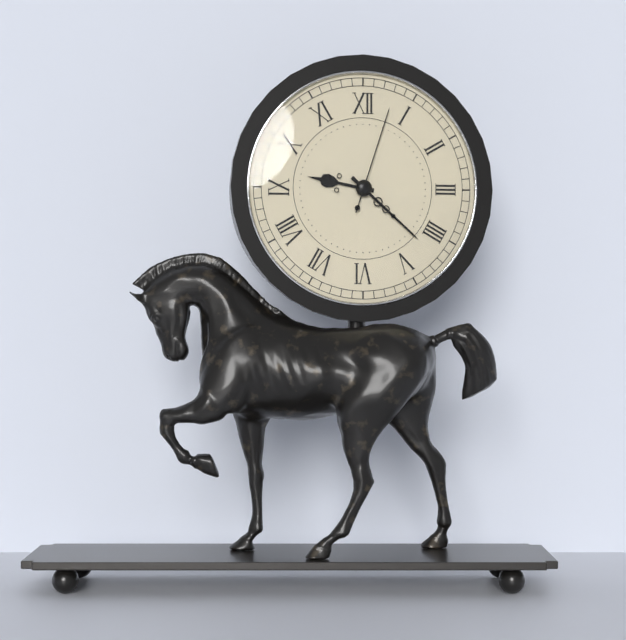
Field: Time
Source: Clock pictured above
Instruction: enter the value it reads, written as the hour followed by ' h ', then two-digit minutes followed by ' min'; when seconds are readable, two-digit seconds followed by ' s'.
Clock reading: 9 h 22 min 03 s
